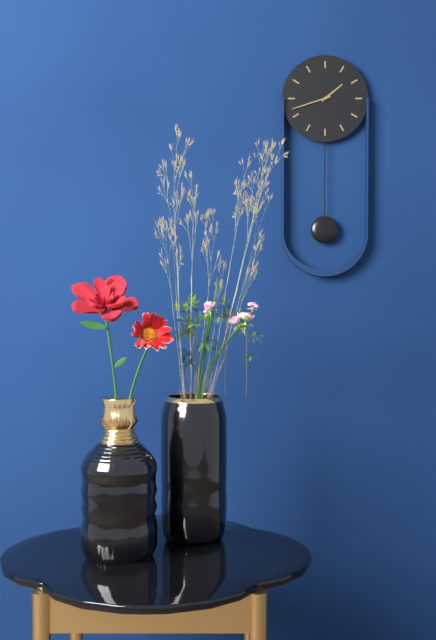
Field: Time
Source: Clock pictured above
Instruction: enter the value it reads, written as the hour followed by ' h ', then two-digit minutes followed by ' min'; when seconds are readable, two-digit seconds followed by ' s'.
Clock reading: 1 h 42 min
